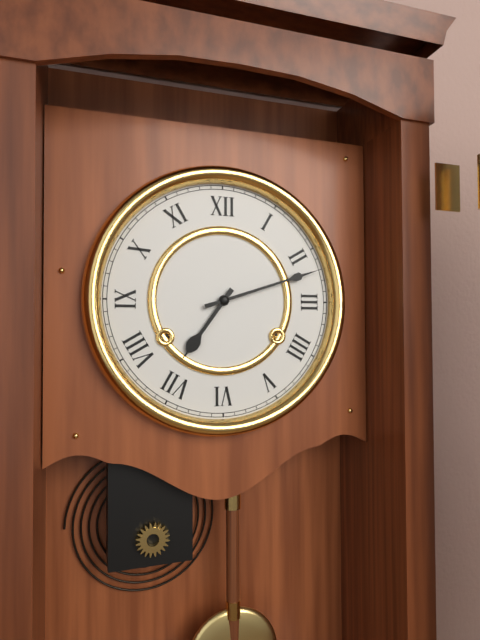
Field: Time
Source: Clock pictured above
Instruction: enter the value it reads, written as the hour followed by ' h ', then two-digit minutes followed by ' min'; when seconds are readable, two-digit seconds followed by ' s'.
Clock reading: 7 h 12 min
